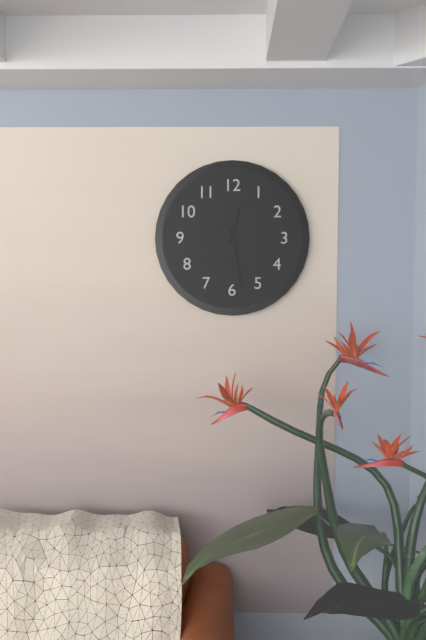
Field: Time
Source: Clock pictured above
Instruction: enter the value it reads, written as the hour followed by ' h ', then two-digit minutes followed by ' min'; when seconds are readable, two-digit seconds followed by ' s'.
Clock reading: 12 h 28 min
